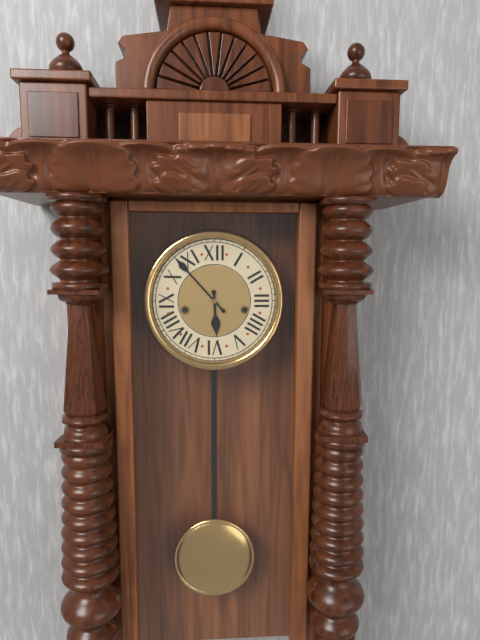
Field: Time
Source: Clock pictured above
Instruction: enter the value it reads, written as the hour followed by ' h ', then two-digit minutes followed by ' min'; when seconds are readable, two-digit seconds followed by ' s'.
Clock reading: 5 h 53 min
